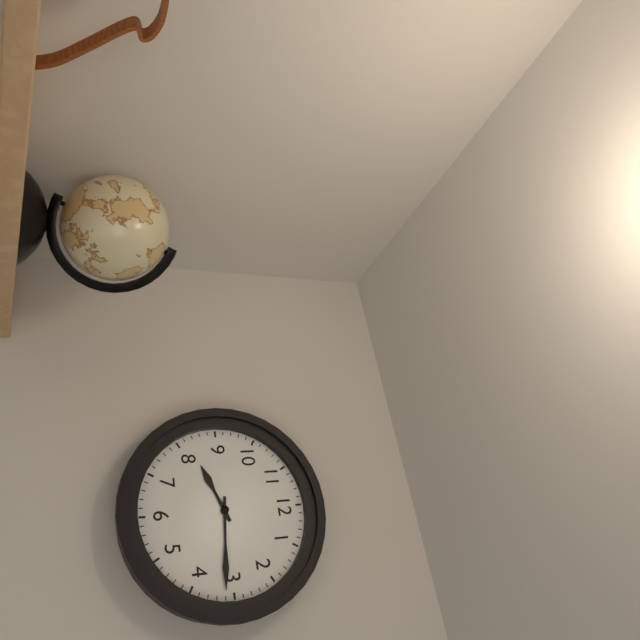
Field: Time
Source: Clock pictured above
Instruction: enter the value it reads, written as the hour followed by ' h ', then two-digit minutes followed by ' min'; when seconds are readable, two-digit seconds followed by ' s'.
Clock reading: 8 h 16 min
